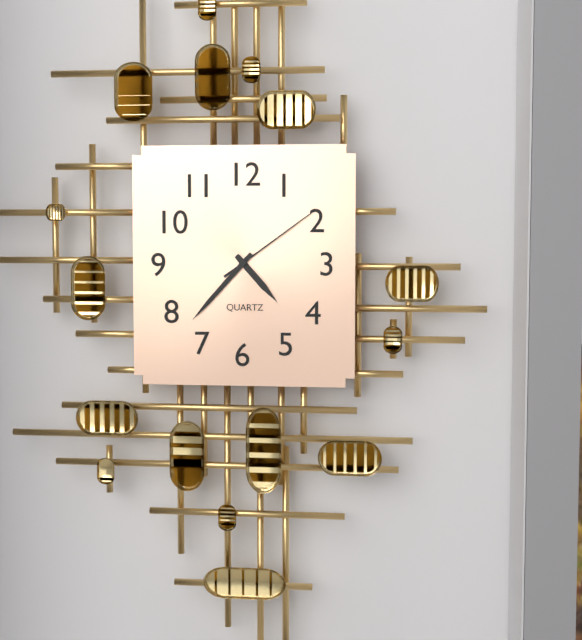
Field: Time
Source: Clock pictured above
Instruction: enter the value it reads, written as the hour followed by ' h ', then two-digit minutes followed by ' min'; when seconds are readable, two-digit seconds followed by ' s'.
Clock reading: 4 h 37 min 09 s
